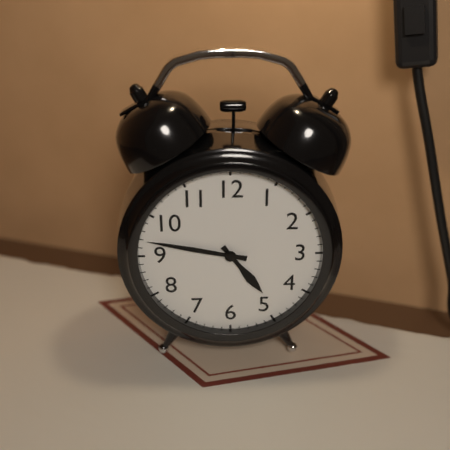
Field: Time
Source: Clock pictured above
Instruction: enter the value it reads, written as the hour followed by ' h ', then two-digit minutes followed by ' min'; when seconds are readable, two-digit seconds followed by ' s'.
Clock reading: 4 h 47 min
